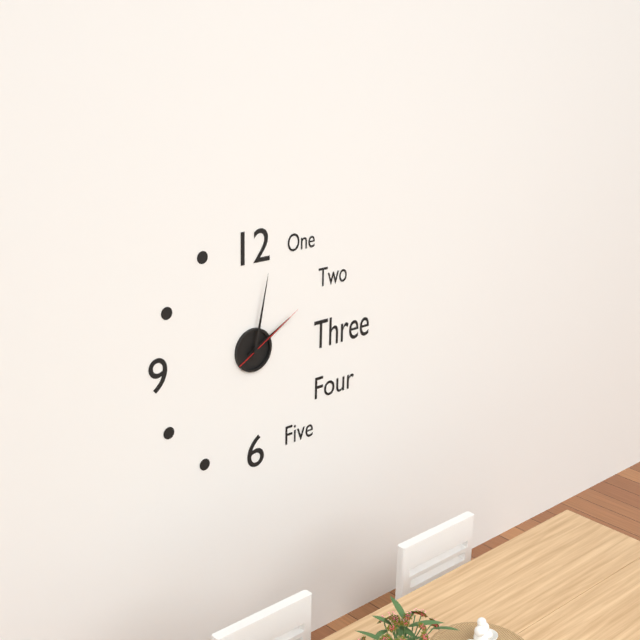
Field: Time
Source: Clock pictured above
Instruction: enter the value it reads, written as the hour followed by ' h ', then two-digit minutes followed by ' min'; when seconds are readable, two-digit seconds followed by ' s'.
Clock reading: 2 h 02 min 10 s
